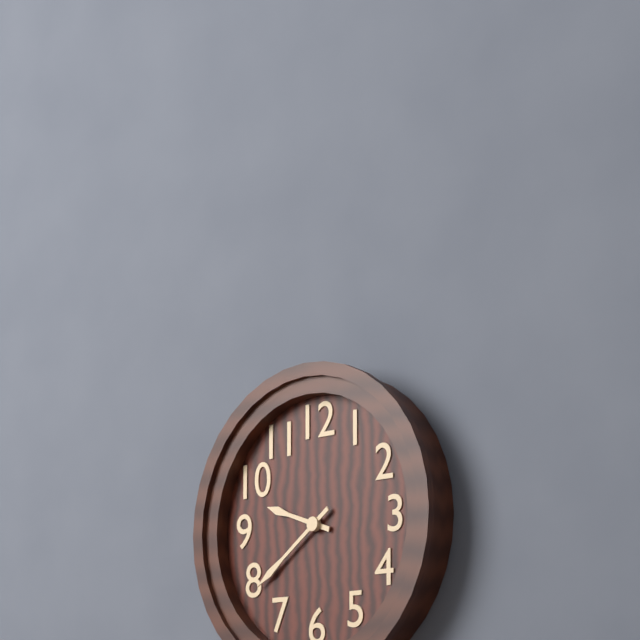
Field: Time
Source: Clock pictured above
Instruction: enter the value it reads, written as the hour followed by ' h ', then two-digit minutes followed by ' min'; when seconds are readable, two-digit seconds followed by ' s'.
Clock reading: 9 h 39 min
